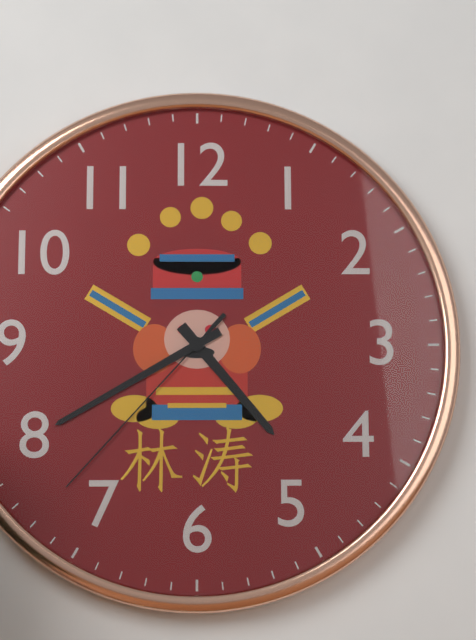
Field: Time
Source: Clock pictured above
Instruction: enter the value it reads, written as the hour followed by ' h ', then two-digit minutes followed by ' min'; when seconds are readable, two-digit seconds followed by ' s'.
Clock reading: 4 h 40 min 37 s
